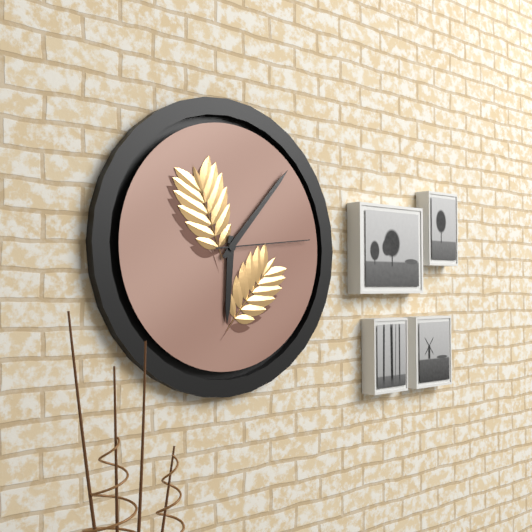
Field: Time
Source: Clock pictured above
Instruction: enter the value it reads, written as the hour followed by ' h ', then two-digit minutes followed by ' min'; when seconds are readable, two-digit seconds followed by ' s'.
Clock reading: 6 h 07 min 14 s
